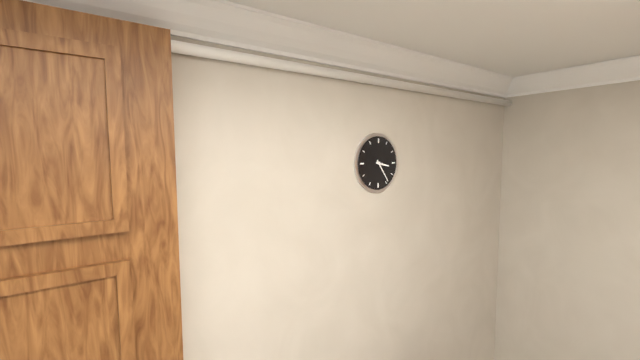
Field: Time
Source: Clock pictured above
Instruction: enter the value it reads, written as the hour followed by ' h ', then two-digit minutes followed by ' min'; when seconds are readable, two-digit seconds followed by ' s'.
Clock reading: 3 h 24 min
